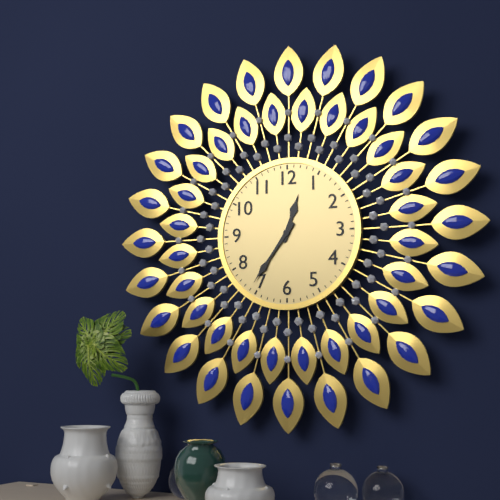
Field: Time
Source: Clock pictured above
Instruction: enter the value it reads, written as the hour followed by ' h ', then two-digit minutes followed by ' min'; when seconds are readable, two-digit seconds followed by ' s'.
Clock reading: 12 h 36 min
